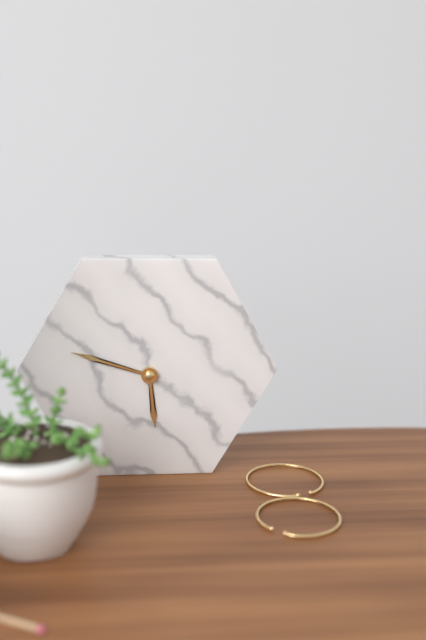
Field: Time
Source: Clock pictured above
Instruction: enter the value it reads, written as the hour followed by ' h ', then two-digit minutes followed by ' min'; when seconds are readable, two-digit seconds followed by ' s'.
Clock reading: 5 h 48 min
